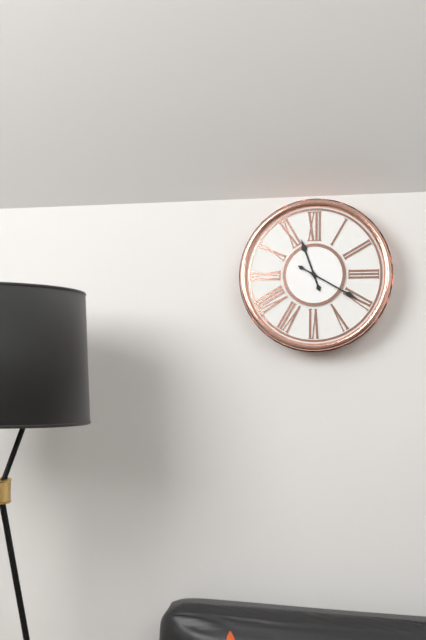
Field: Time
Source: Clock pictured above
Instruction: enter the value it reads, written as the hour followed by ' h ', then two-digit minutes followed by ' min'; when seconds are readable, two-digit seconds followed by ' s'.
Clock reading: 11 h 20 min
